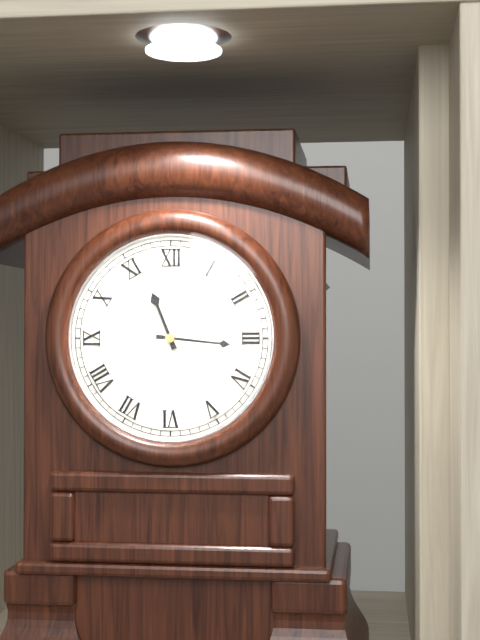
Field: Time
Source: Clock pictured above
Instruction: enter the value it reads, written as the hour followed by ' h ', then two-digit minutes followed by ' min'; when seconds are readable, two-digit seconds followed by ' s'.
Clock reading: 11 h 16 min
